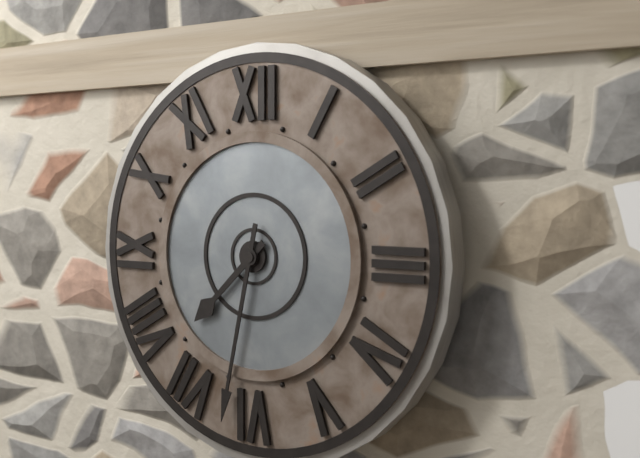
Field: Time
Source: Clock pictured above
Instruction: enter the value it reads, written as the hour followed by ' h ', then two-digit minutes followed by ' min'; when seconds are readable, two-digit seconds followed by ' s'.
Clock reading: 7 h 32 min
